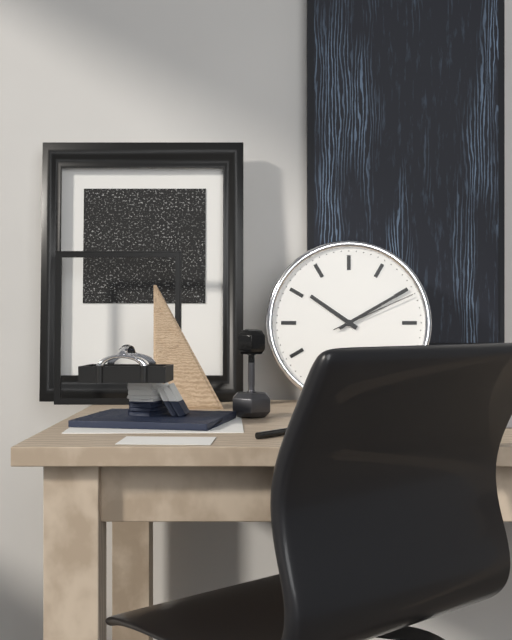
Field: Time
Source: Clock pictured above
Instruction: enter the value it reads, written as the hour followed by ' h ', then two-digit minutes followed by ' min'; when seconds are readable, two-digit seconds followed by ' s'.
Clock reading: 10 h 10 min 11 s
